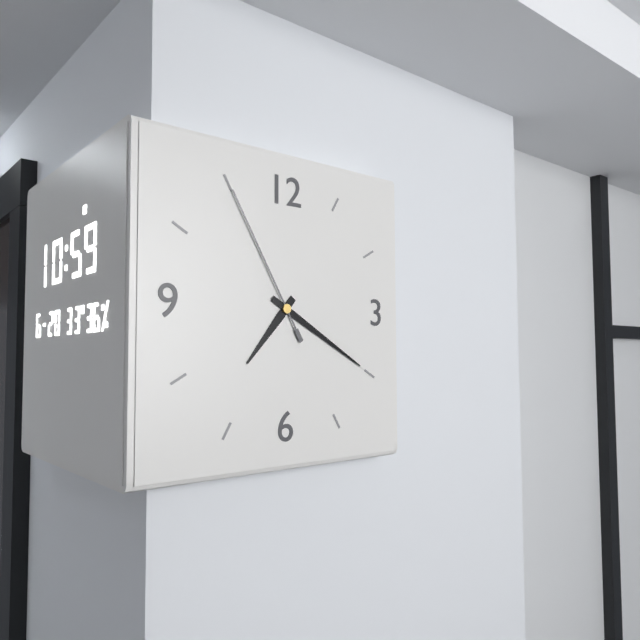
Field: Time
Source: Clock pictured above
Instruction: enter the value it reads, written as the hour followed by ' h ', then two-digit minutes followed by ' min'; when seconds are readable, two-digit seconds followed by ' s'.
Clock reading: 7 h 20 min 55 s
